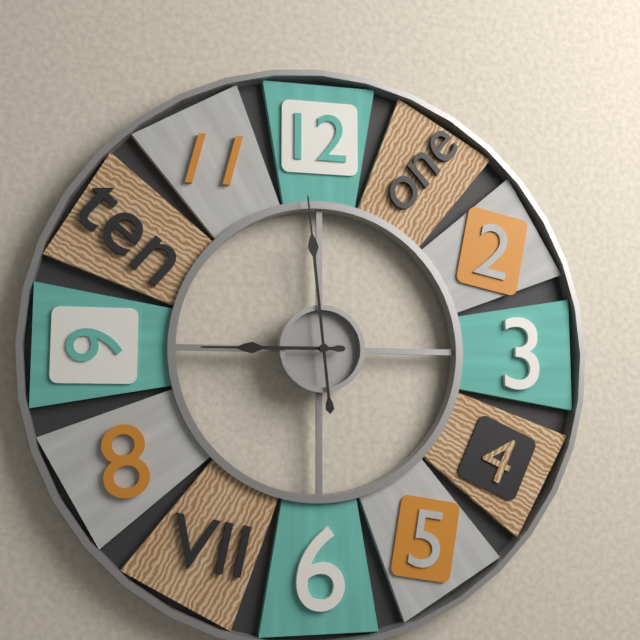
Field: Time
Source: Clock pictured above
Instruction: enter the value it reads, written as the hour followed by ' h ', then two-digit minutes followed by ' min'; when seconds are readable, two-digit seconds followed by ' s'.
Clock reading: 8 h 59 min
